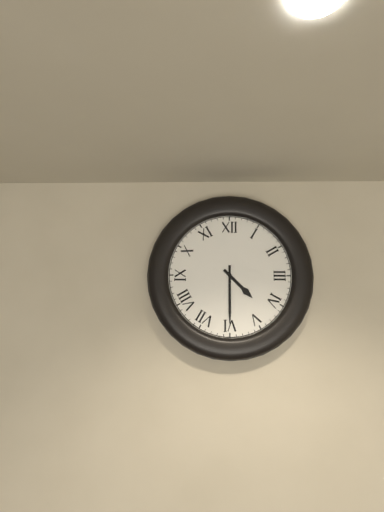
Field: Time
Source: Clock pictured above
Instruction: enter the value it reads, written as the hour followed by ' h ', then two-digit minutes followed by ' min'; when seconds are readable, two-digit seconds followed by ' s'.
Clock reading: 4 h 30 min
